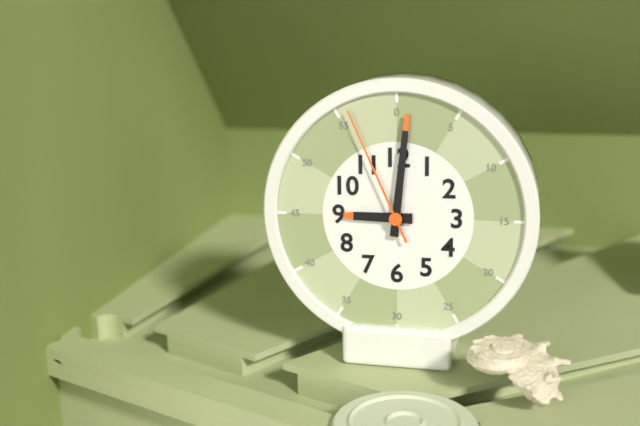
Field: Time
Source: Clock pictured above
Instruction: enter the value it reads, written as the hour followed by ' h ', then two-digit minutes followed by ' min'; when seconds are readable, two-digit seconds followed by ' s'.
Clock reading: 9 h 01 min 56 s
